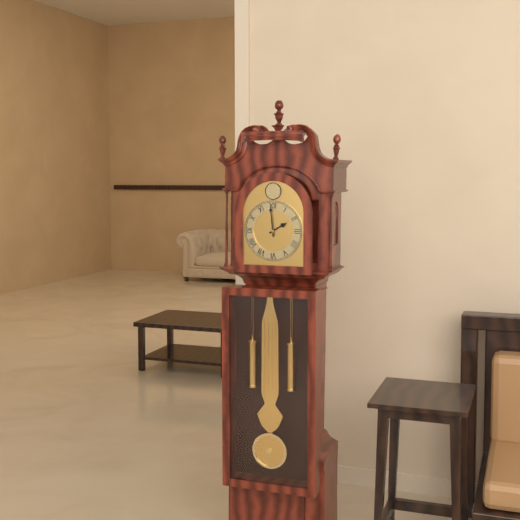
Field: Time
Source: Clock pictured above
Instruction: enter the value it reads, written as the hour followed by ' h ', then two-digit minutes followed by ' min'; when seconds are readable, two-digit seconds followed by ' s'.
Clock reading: 1 h 59 min
